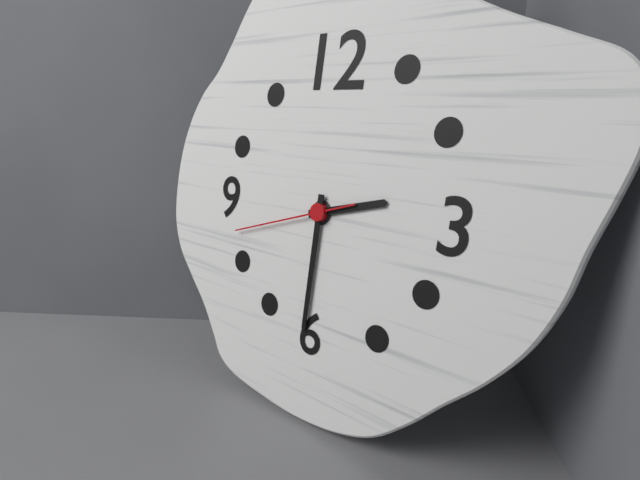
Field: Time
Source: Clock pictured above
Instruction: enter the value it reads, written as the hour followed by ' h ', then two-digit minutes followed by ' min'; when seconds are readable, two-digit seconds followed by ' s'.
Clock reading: 2 h 30 min 42 s
